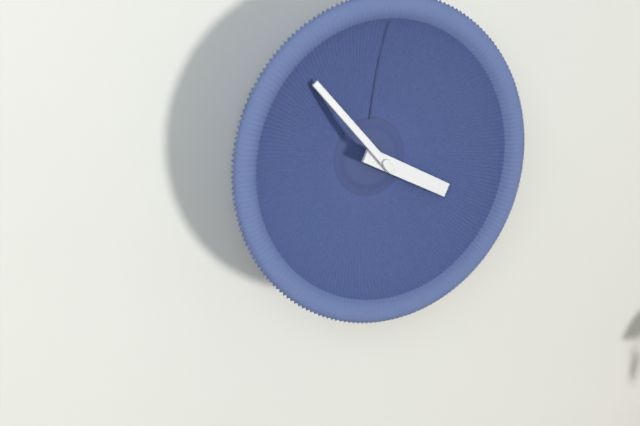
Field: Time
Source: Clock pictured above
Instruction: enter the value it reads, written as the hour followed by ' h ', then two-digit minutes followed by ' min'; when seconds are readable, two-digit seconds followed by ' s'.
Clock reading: 3 h 53 min
